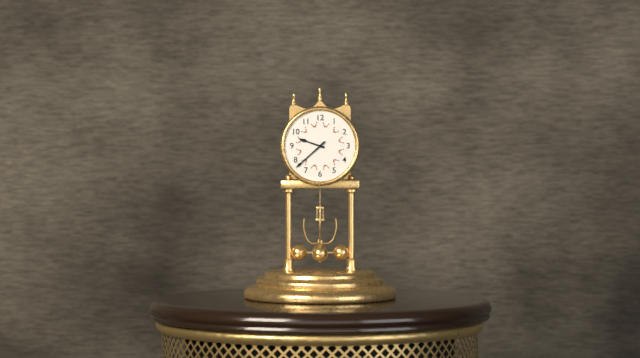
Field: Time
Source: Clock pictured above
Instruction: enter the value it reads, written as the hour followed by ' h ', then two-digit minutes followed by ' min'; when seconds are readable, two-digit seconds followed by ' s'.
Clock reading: 9 h 38 min
